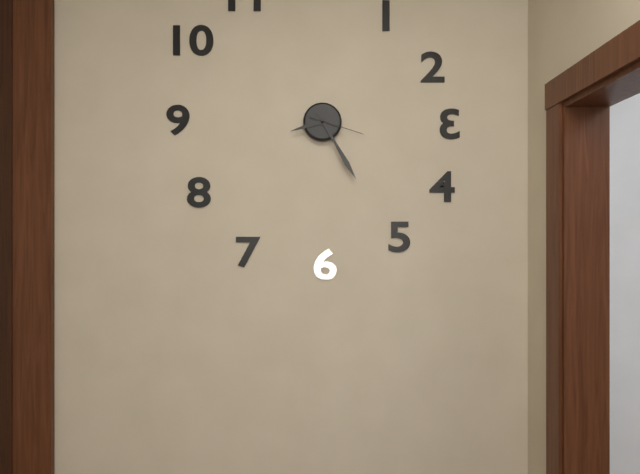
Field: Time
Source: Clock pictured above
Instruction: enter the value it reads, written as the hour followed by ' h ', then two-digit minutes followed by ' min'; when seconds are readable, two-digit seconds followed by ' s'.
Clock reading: 8 h 25 min 18 s
